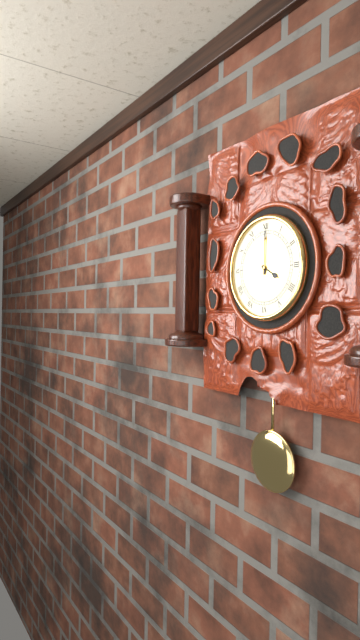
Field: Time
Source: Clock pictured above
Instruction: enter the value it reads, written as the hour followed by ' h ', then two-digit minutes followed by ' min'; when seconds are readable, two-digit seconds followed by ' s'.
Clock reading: 4 h 00 min
